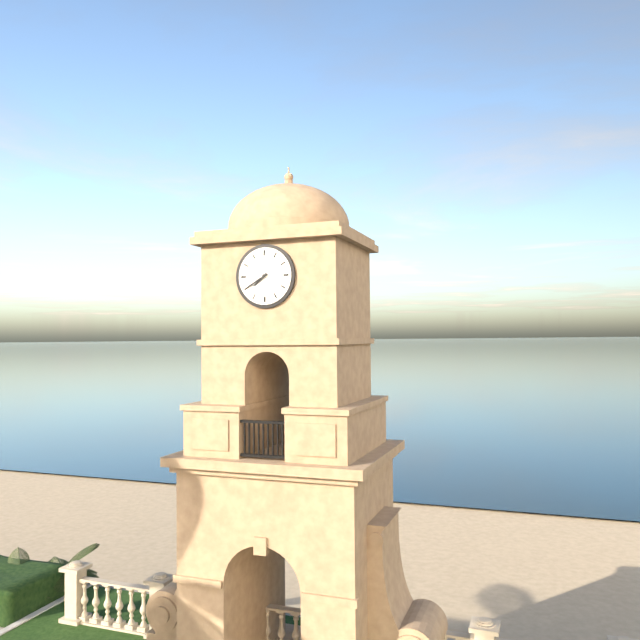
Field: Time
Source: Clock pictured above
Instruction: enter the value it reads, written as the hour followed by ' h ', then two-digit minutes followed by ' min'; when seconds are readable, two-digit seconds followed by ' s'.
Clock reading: 7 h 40 min
